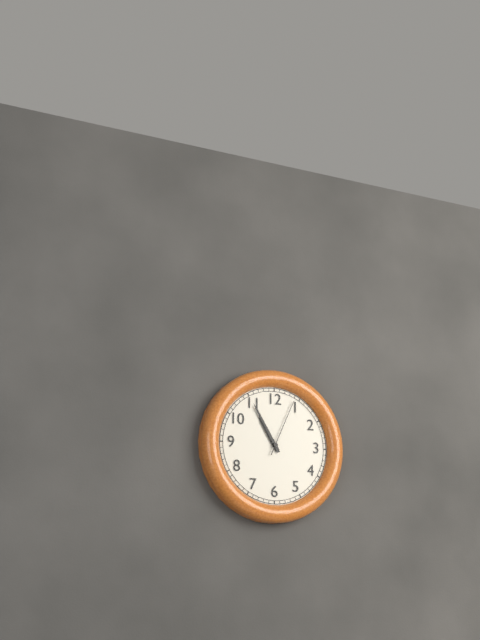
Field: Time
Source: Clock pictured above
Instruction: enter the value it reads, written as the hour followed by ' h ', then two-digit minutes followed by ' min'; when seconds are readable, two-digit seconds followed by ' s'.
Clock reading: 10 h 55 min 04 s
